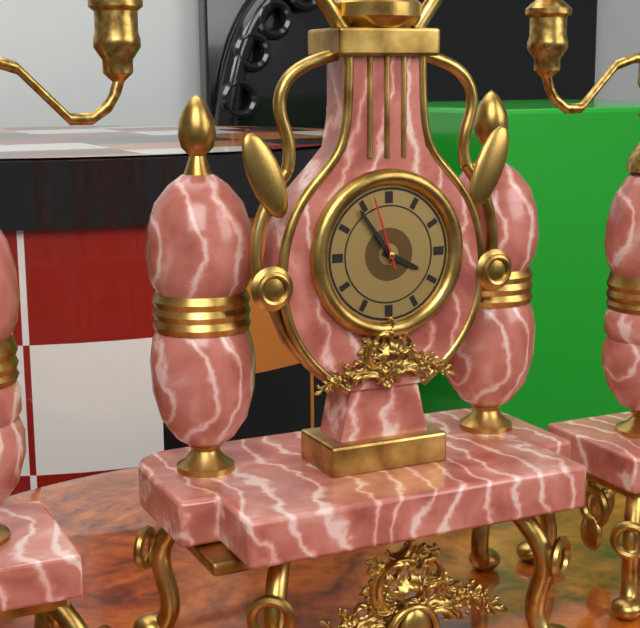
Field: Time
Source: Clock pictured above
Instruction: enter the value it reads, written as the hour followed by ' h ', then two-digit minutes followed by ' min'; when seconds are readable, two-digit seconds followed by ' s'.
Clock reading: 3 h 54 min 57 s
